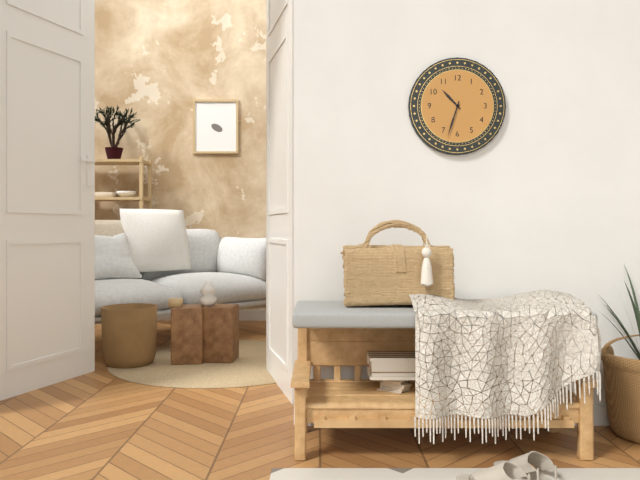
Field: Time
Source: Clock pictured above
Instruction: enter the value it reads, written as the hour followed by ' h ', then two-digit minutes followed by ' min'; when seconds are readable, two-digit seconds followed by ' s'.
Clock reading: 10 h 33 min
